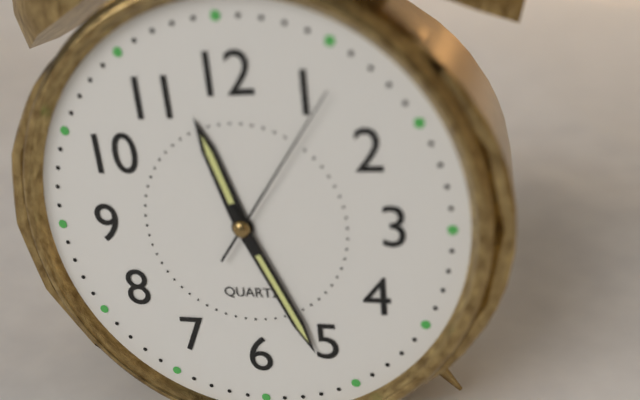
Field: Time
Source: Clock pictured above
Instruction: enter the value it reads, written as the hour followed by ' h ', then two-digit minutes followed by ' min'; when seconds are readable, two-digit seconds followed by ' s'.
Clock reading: 11 h 26 min 06 s
